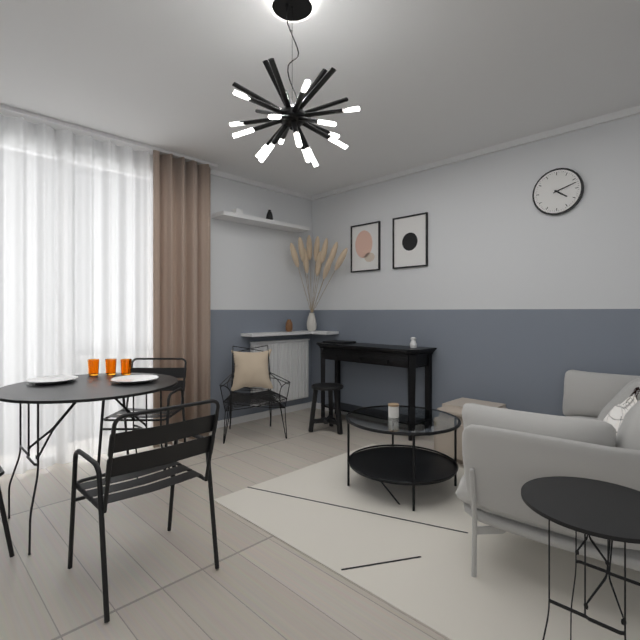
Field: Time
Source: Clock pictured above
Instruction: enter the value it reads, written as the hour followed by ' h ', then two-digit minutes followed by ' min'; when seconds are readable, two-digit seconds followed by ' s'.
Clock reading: 4 h 12 min
